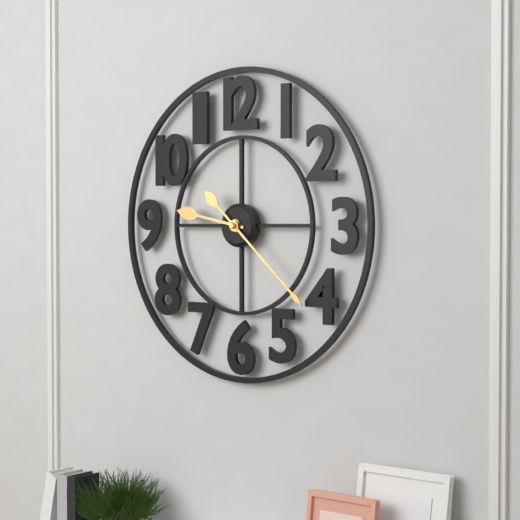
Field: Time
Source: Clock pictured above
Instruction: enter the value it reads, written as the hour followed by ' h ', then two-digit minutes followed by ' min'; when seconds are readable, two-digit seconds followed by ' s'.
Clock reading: 9 h 22 min
